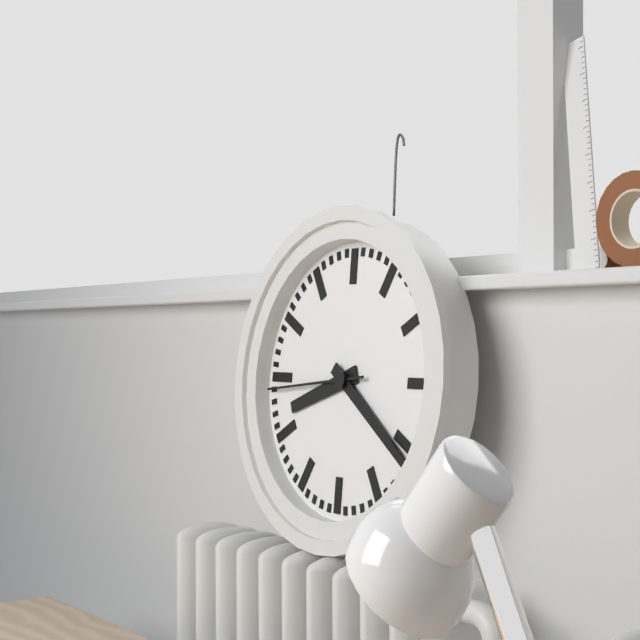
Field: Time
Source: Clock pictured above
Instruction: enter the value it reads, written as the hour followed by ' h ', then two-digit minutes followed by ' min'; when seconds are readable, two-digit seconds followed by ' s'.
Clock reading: 8 h 21 min 44 s
